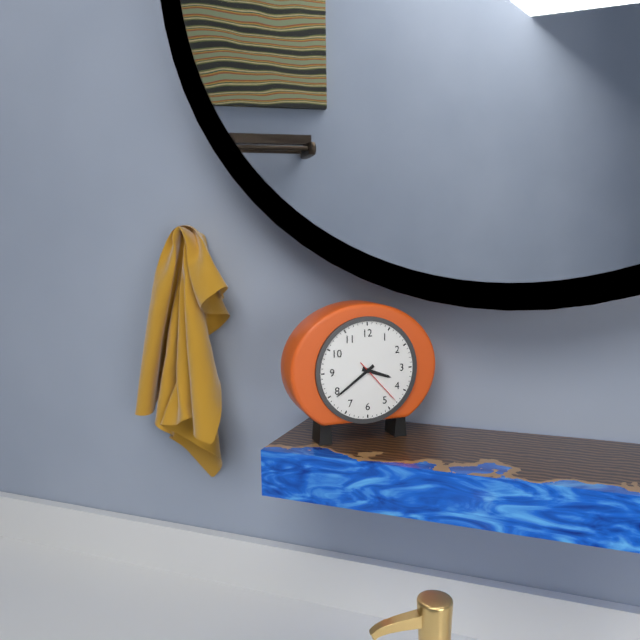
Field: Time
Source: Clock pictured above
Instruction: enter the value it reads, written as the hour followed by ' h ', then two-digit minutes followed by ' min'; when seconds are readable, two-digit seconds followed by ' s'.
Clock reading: 3 h 39 min 23 s
